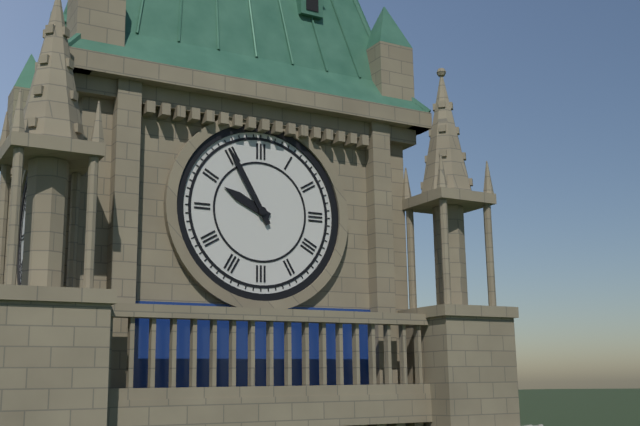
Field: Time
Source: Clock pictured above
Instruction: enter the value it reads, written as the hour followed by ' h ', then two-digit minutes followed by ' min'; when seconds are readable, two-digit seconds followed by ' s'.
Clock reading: 9 h 55 min
